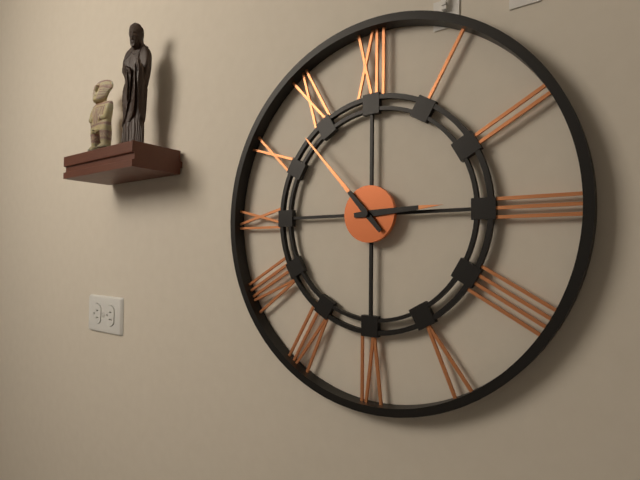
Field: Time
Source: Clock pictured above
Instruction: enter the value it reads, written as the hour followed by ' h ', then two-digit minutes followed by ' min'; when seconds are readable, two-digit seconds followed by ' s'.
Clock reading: 2 h 53 min
